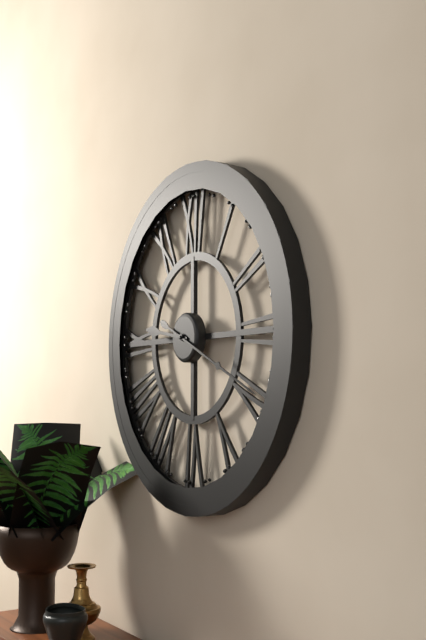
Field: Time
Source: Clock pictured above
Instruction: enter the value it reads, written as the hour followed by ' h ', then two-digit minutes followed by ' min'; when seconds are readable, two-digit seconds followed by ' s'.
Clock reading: 9 h 19 min
